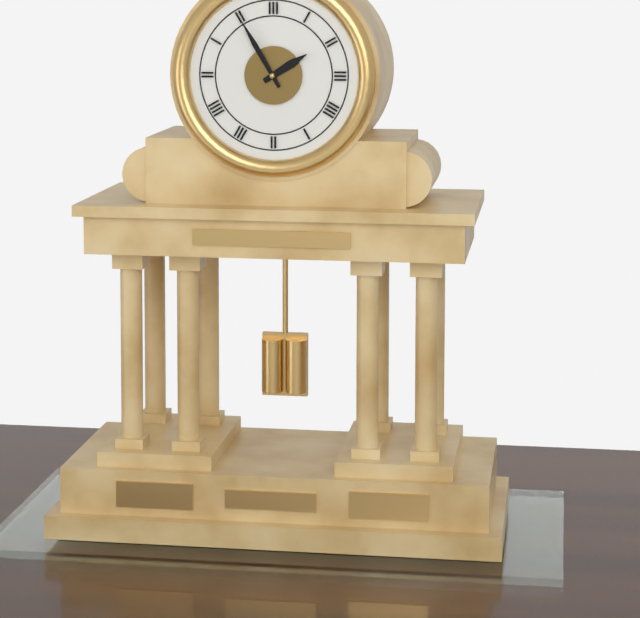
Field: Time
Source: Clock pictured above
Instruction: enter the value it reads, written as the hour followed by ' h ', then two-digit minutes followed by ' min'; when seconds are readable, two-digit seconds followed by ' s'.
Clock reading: 1 h 55 min
